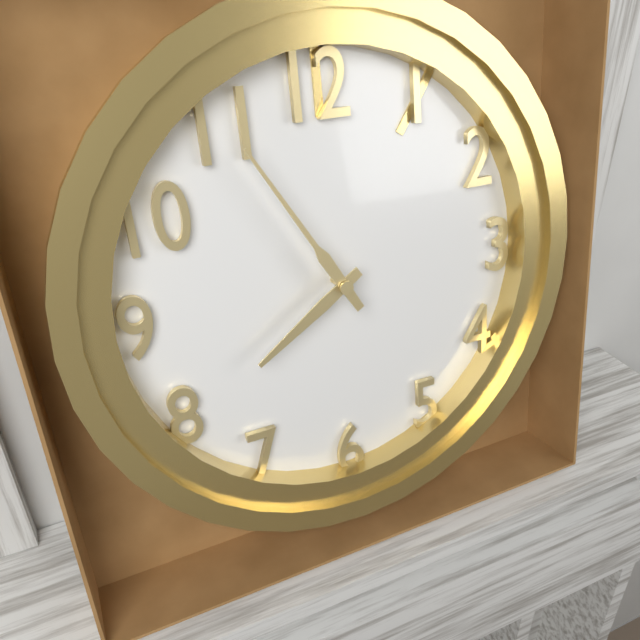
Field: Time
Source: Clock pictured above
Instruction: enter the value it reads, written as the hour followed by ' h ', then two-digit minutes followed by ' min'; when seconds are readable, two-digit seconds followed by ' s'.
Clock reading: 7 h 55 min
